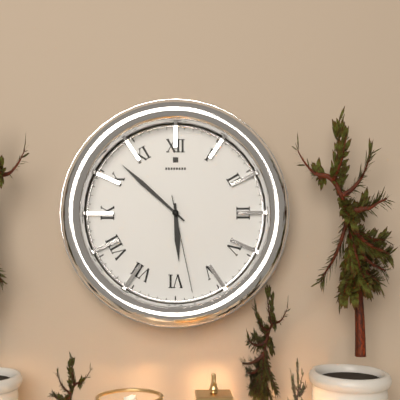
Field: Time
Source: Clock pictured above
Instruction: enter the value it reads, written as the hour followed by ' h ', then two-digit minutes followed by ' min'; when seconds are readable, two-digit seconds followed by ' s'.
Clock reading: 5 h 52 min 28 s
